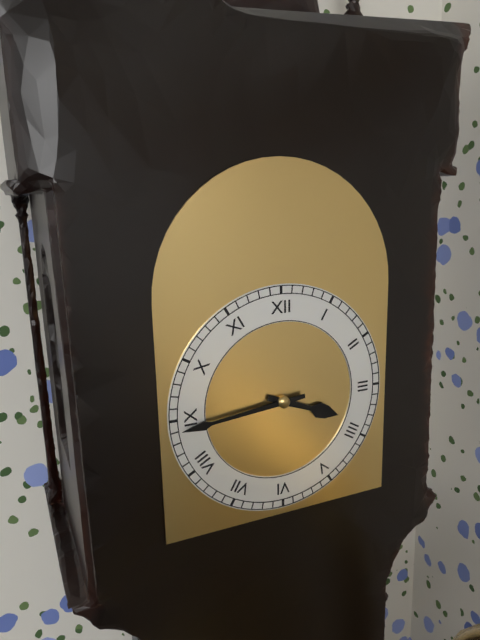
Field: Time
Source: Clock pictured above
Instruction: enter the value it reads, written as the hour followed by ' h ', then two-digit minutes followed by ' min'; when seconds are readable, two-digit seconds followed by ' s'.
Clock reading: 3 h 44 min
